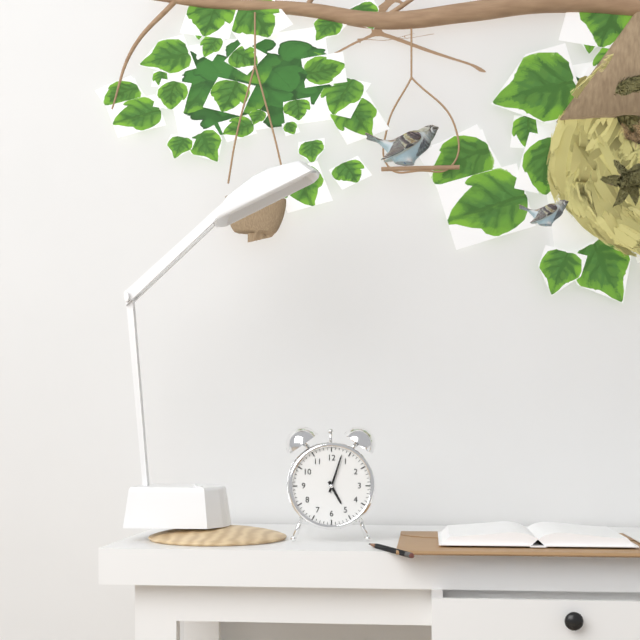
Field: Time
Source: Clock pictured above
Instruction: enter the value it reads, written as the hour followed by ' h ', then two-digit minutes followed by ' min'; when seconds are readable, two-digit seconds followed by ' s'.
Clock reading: 5 h 03 min
